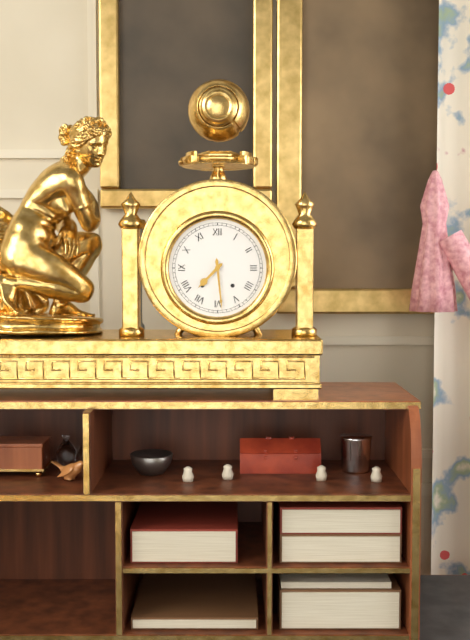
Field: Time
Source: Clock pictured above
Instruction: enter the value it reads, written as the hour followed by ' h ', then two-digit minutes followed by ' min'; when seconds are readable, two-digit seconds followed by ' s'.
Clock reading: 7 h 29 min
